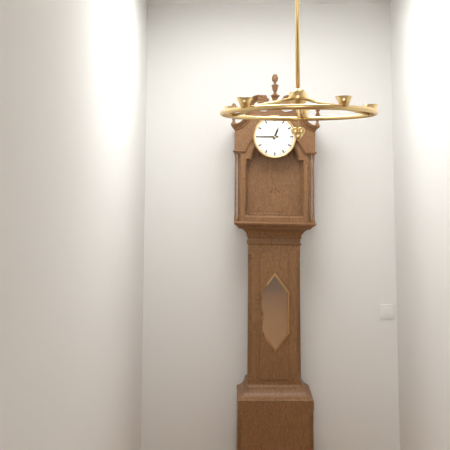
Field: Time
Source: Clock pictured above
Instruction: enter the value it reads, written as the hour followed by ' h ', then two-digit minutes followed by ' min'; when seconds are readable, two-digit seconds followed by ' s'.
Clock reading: 12 h 45 min
